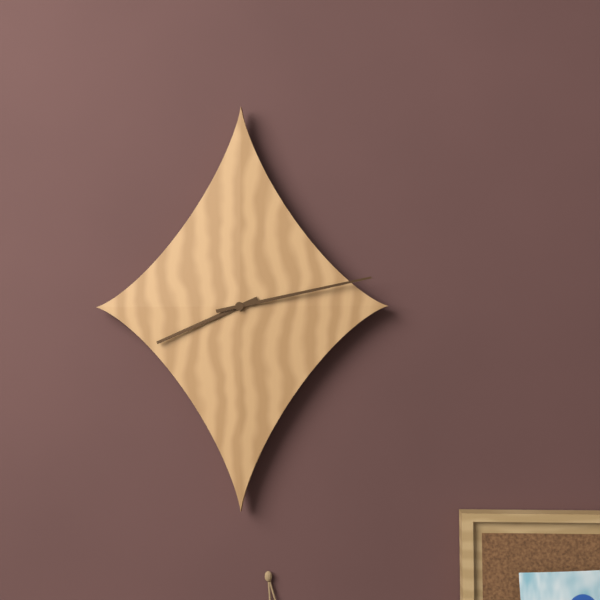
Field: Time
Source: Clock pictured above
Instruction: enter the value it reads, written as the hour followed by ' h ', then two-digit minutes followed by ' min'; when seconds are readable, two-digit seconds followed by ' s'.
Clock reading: 8 h 13 min
